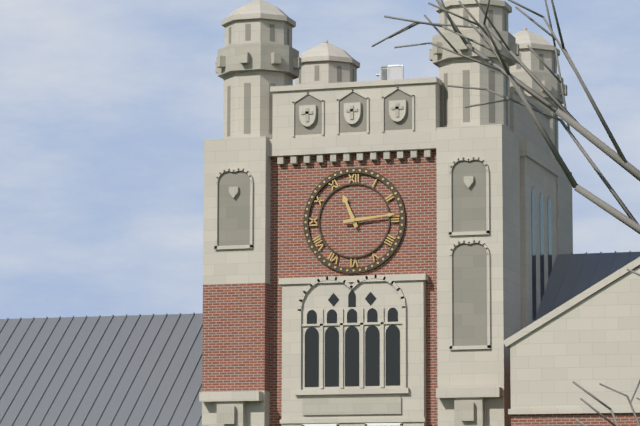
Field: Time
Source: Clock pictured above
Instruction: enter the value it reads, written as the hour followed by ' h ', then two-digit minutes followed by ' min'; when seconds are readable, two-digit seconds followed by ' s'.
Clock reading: 11 h 14 min
